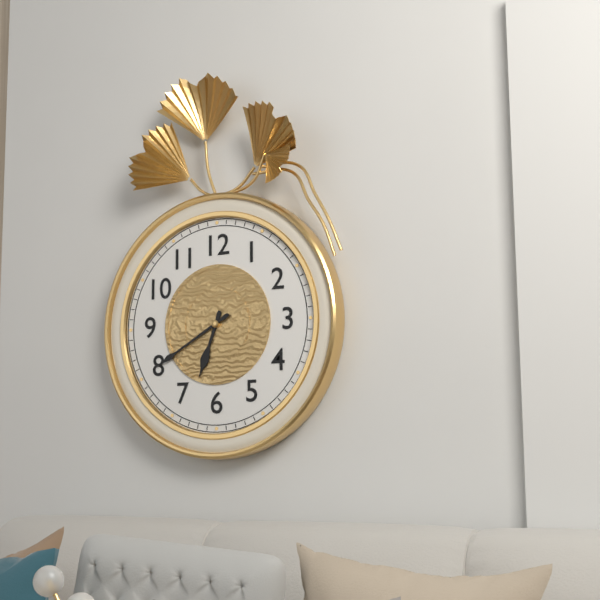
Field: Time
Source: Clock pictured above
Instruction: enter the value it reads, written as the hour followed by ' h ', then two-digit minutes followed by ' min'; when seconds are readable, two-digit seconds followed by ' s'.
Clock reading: 6 h 40 min
